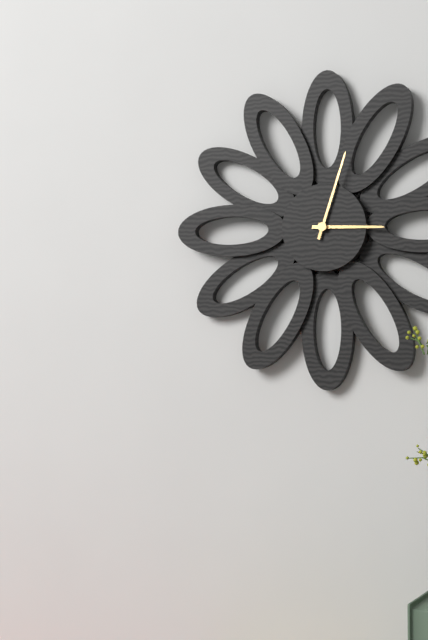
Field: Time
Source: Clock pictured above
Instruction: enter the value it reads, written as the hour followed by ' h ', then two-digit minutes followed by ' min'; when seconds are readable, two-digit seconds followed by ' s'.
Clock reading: 3 h 03 min
